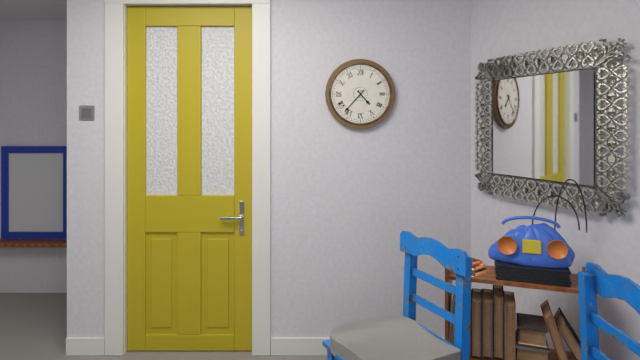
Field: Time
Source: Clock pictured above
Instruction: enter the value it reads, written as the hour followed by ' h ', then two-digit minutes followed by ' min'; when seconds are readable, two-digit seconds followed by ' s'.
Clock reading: 4 h 37 min
